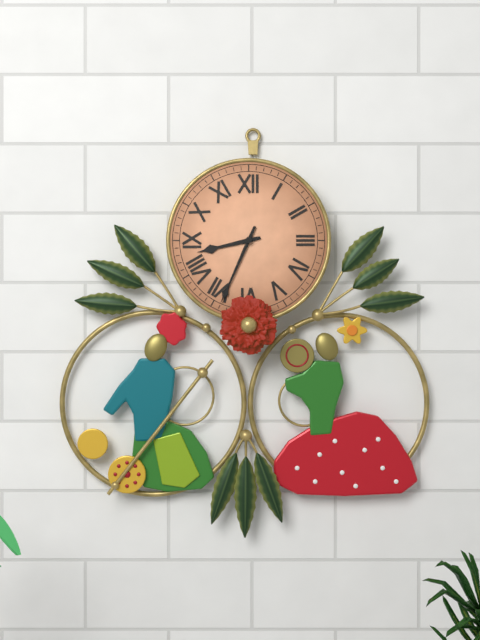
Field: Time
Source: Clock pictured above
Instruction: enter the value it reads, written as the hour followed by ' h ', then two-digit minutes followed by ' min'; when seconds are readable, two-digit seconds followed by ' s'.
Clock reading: 8 h 34 min
